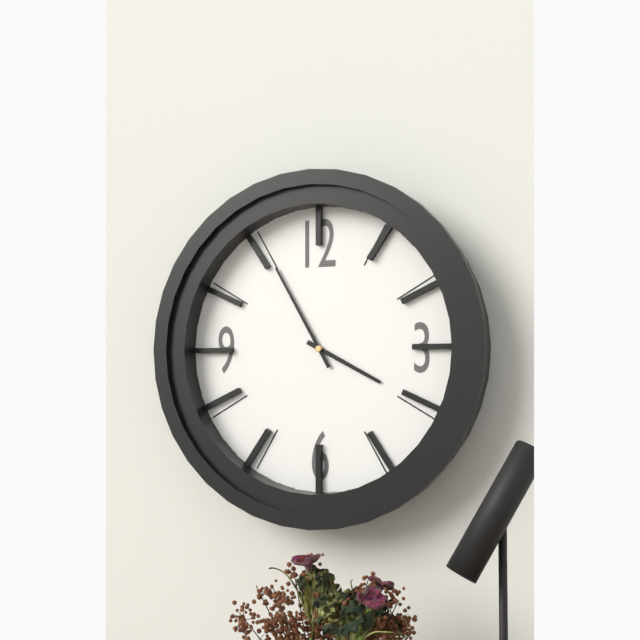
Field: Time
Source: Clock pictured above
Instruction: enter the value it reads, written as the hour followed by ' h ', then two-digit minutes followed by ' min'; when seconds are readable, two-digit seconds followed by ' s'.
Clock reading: 3 h 55 min
